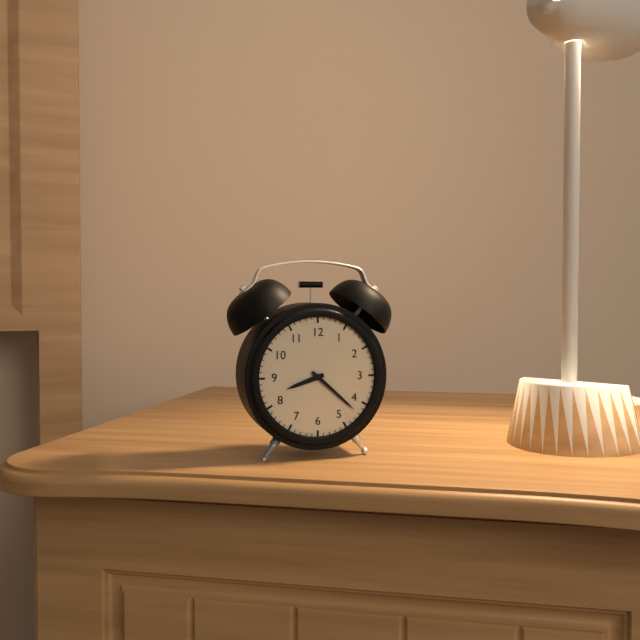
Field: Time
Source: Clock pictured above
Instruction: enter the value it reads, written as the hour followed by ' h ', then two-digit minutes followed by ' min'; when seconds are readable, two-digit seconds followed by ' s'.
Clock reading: 8 h 22 min
